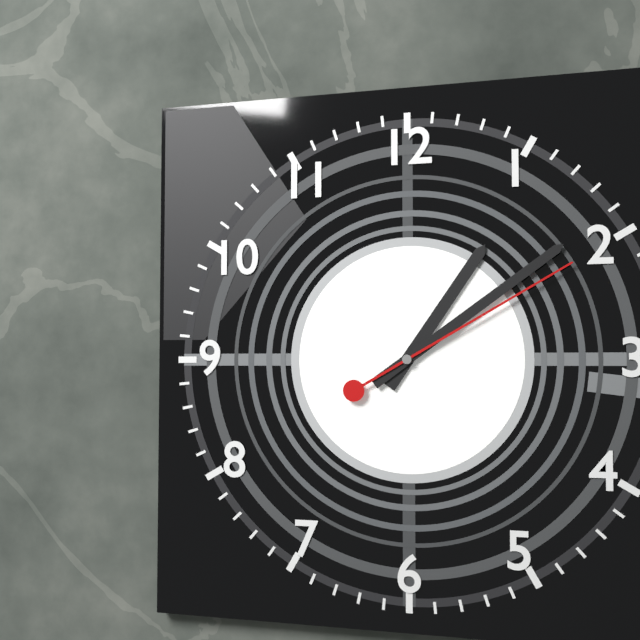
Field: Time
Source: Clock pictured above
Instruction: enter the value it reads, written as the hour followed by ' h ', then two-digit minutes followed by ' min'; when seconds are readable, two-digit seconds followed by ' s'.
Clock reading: 1 h 09 min 10 s
